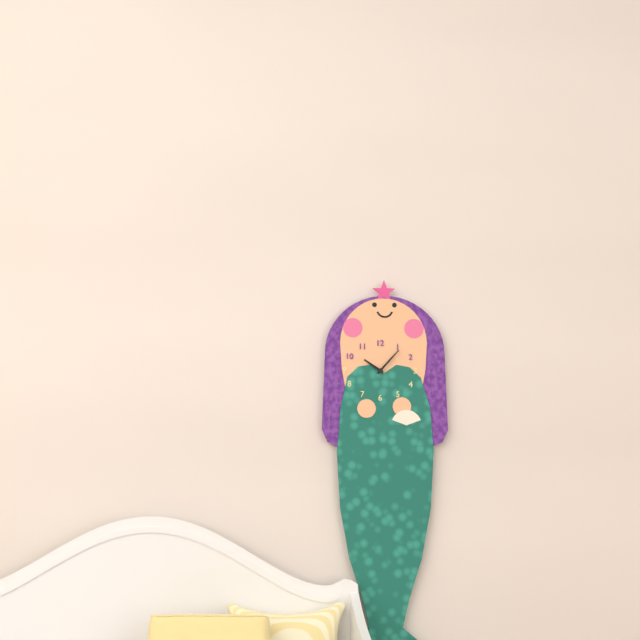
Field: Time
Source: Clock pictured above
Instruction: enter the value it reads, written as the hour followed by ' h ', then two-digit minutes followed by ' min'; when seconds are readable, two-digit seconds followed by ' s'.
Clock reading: 10 h 07 min
